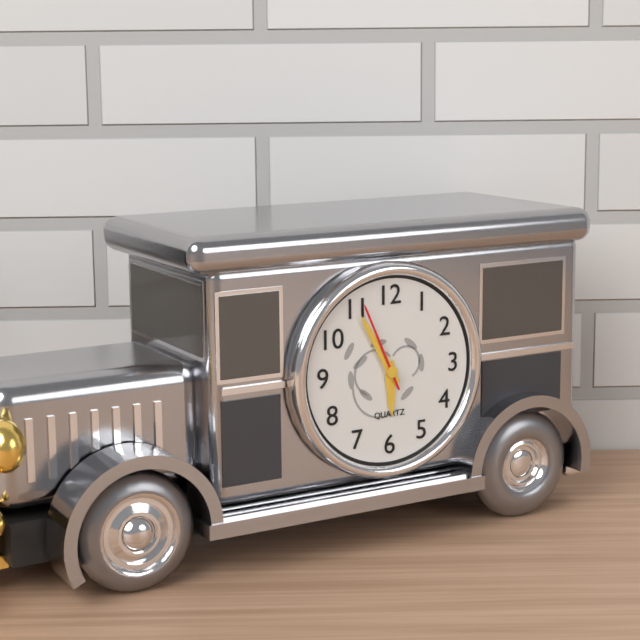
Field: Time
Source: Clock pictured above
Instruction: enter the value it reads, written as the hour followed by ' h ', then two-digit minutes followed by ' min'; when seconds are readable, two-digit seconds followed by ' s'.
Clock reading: 5 h 55 min 56 s
